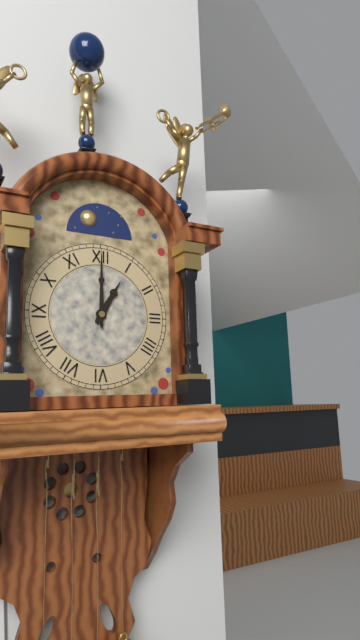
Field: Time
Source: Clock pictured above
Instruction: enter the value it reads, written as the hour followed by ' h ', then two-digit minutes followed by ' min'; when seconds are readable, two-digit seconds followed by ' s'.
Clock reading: 1 h 00 min
